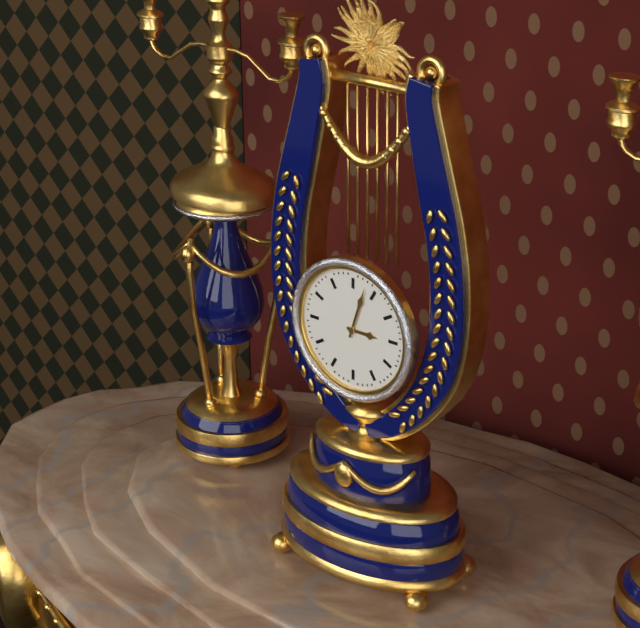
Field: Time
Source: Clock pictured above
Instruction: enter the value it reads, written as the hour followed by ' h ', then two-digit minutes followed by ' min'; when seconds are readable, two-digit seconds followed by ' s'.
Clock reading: 3 h 03 min
